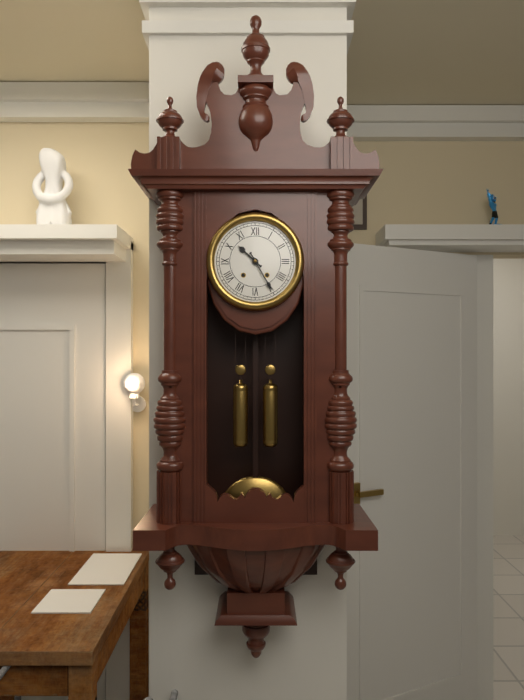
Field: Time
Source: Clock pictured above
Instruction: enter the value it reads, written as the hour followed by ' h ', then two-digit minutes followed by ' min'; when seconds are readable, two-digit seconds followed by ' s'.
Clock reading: 10 h 25 min
